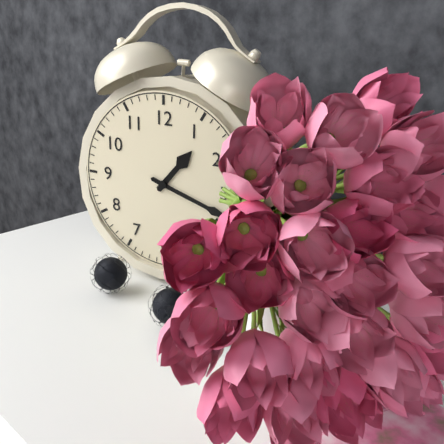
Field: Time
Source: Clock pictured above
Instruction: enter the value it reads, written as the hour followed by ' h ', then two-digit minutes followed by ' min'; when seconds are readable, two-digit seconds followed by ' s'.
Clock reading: 1 h 18 min
